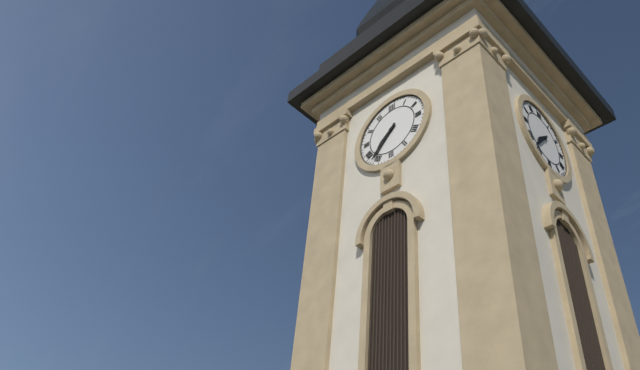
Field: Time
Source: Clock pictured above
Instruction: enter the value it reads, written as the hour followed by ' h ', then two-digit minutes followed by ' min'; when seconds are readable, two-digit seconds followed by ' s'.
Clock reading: 7 h 37 min
